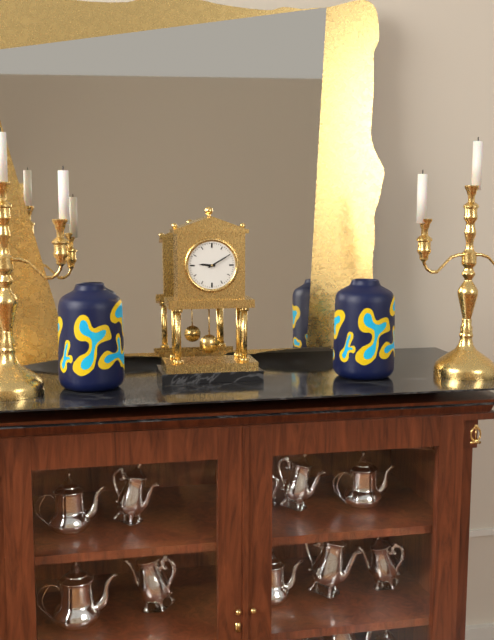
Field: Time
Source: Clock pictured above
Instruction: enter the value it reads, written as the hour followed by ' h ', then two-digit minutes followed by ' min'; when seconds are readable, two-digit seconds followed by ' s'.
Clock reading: 9 h 10 min
